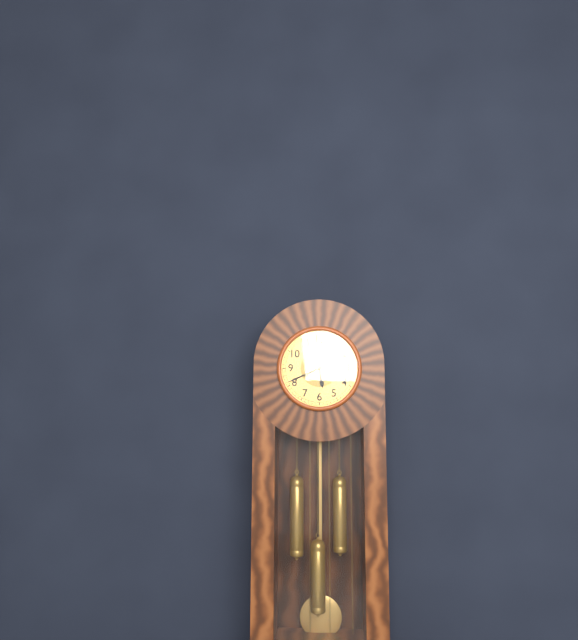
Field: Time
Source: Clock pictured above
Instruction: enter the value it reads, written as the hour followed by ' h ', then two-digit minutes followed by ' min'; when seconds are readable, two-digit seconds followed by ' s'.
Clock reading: 5 h 41 min
